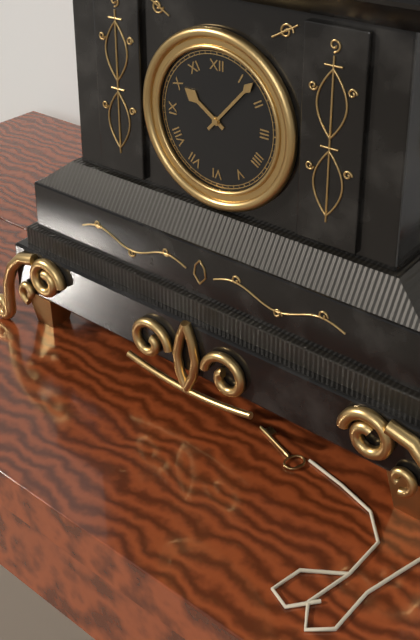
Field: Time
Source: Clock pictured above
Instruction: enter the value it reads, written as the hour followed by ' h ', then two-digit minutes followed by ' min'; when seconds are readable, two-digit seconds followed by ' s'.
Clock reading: 10 h 07 min
